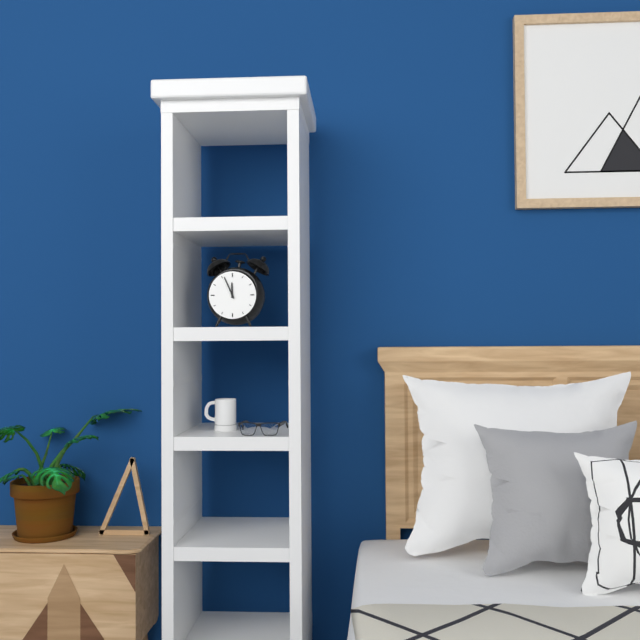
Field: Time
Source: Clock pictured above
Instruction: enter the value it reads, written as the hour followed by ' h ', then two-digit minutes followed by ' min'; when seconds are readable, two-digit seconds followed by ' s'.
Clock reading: 11 h 56 min
